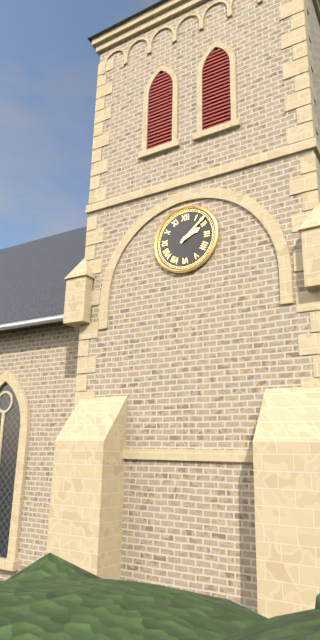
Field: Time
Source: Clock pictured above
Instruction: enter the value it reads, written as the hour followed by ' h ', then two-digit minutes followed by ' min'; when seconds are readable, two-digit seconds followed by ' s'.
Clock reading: 2 h 08 min
